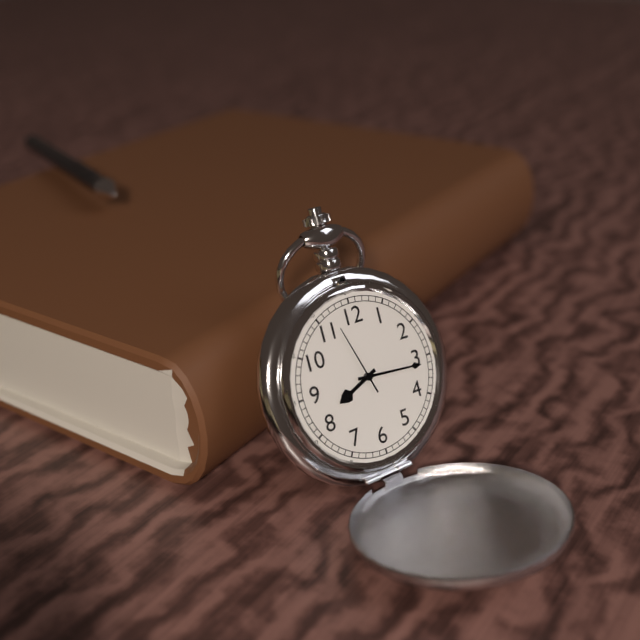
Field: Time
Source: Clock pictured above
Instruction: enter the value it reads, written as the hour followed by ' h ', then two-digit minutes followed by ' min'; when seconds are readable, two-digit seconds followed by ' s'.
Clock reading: 8 h 16 min 57 s
